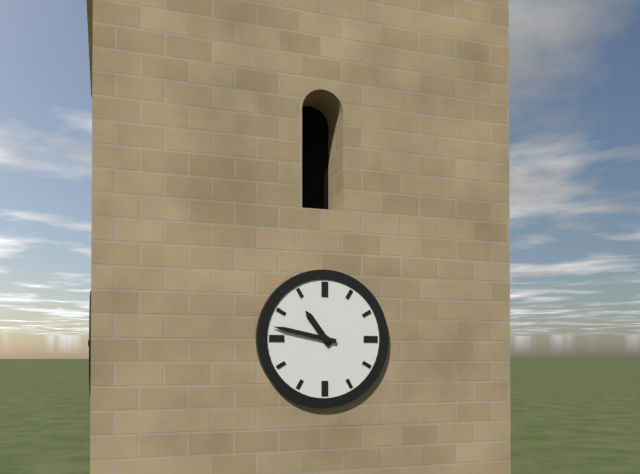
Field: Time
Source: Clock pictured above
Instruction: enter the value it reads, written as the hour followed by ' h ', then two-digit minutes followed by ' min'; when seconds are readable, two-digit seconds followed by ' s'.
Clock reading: 10 h 47 min
